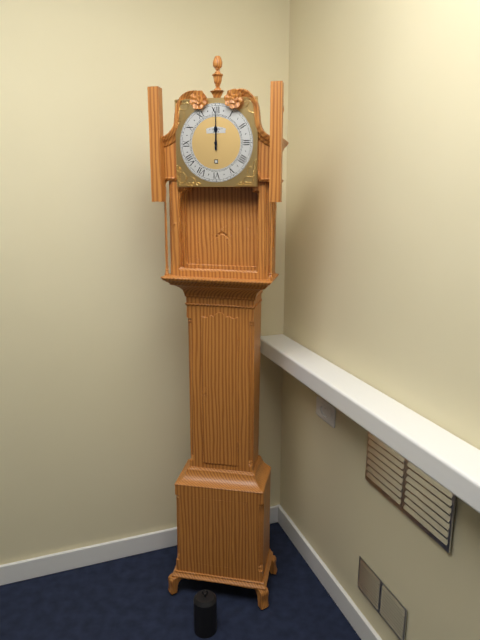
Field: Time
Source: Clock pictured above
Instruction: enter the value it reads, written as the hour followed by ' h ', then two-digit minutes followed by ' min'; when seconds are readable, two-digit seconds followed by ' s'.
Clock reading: 12 h 00 min
